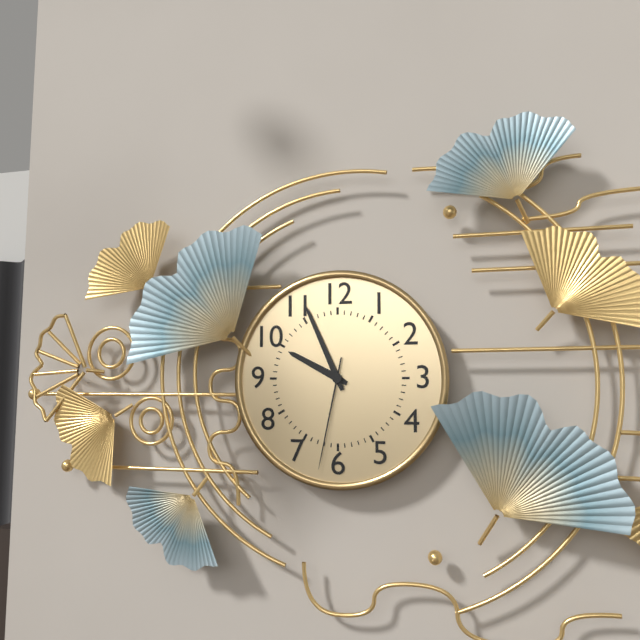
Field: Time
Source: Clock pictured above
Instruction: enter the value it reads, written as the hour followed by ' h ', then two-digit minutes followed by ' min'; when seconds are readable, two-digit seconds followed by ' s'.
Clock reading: 9 h 56 min 32 s
